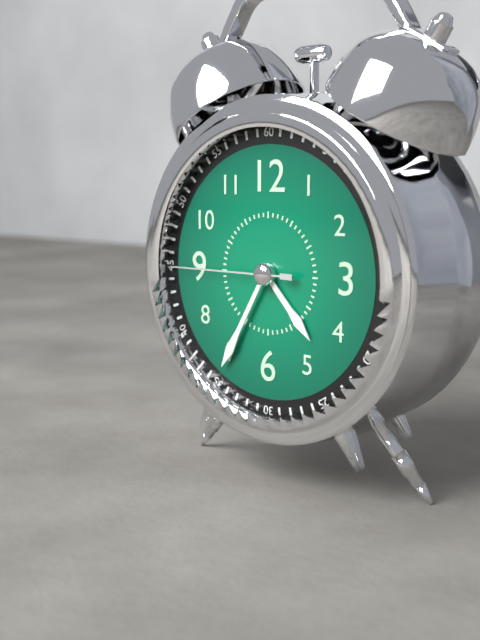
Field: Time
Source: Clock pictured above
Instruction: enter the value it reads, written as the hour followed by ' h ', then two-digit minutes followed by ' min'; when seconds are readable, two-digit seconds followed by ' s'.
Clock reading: 4 h 35 min 45 s
